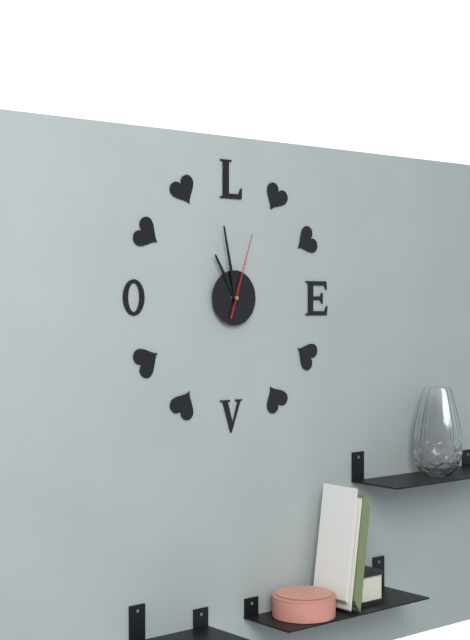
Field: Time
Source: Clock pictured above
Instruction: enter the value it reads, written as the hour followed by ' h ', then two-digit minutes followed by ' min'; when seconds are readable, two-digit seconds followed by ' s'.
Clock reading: 10 h 58 min 03 s
